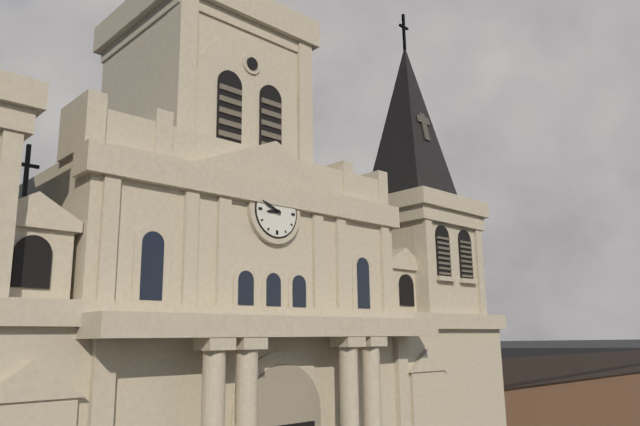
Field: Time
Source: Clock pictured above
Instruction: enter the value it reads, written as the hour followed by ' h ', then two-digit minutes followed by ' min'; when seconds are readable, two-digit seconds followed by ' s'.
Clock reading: 8 h 49 min
